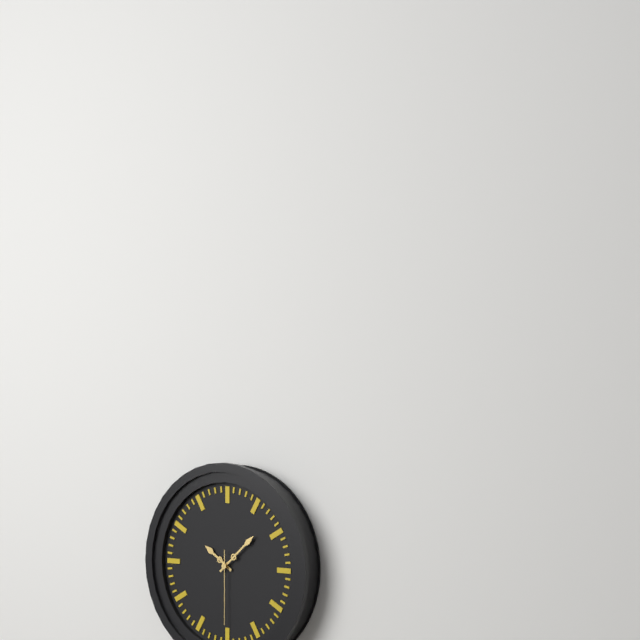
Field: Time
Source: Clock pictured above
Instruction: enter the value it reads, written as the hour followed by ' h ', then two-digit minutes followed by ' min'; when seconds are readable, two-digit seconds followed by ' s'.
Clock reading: 10 h 08 min 30 s
